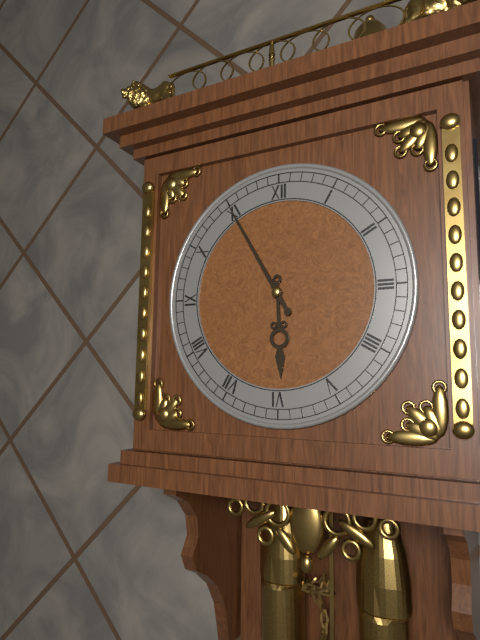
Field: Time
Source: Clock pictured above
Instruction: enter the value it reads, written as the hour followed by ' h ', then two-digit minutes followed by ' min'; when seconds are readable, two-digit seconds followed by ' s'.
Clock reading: 5 h 55 min
